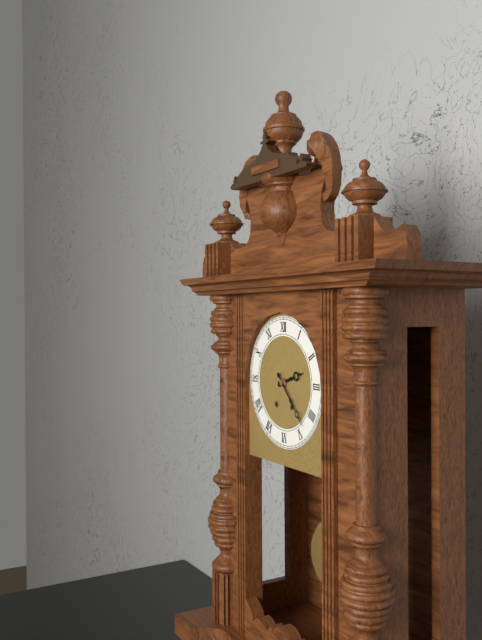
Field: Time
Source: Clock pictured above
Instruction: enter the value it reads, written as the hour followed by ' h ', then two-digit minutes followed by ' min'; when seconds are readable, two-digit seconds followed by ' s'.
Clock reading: 2 h 23 min
